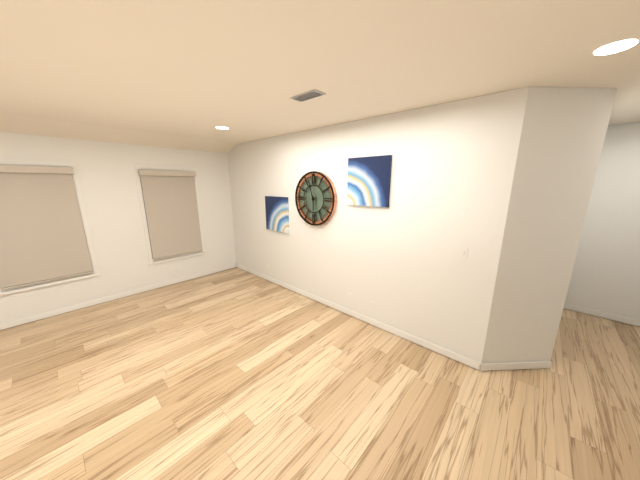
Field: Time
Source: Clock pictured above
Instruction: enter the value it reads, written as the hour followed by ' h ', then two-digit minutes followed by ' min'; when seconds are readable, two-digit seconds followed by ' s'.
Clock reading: 5 h 57 min
